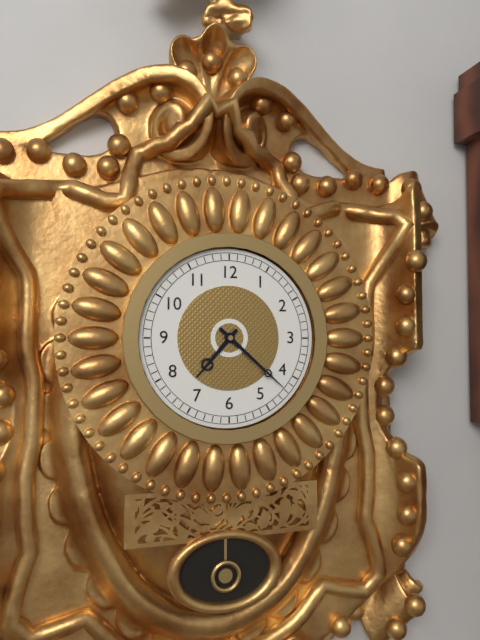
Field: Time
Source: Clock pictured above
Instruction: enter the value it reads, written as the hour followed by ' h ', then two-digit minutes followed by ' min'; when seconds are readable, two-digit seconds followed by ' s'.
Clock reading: 7 h 22 min
